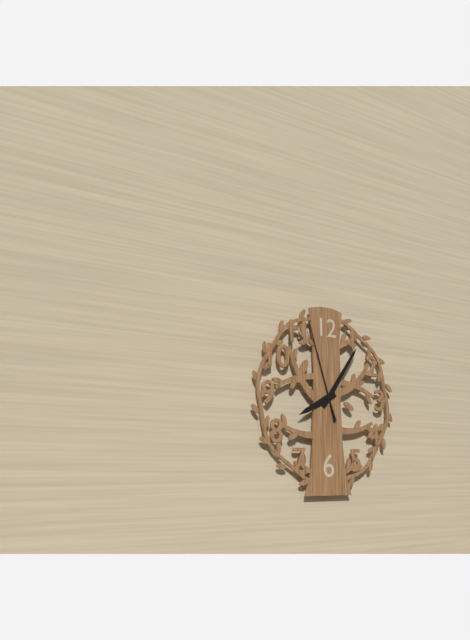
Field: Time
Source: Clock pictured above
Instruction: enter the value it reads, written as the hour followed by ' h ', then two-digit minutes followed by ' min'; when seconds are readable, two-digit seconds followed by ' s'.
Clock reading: 8 h 06 min 57 s
